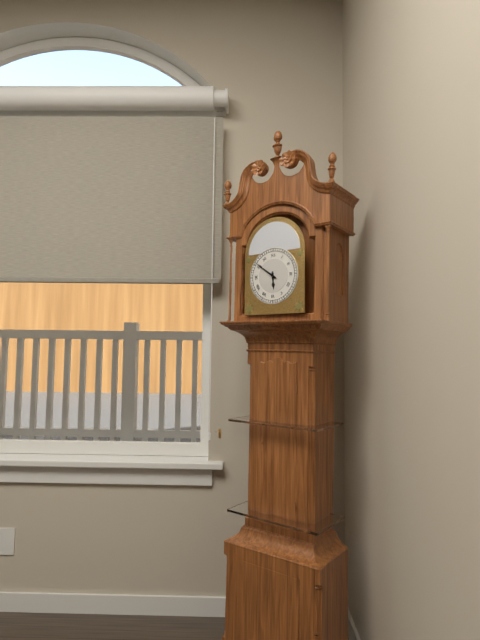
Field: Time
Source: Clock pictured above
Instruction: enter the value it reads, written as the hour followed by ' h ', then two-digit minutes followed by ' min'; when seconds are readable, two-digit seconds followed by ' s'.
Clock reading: 5 h 51 min
